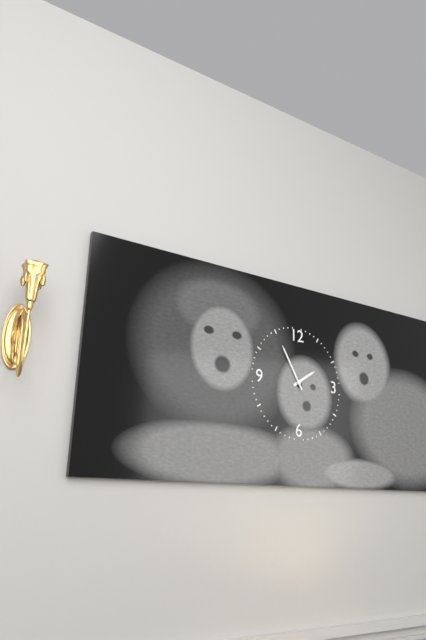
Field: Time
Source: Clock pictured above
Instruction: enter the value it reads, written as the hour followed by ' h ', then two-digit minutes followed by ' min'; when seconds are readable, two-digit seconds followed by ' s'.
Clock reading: 1 h 55 min
